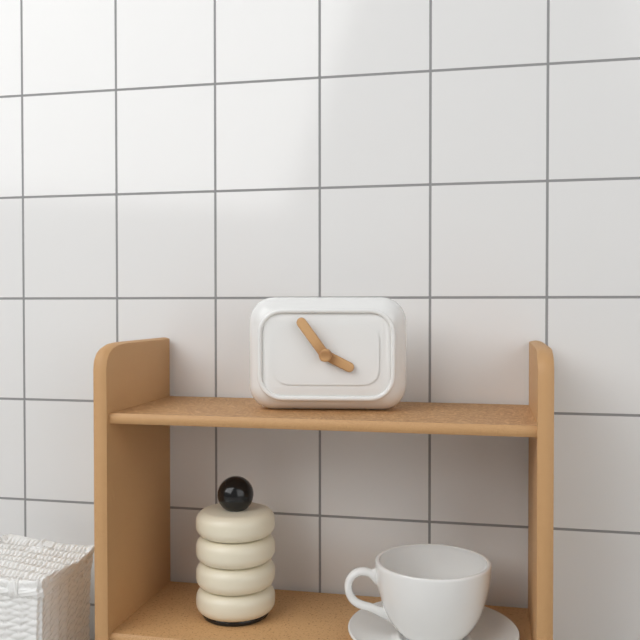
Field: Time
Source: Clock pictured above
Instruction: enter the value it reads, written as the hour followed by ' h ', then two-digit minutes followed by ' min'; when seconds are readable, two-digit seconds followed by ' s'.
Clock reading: 3 h 54 min
